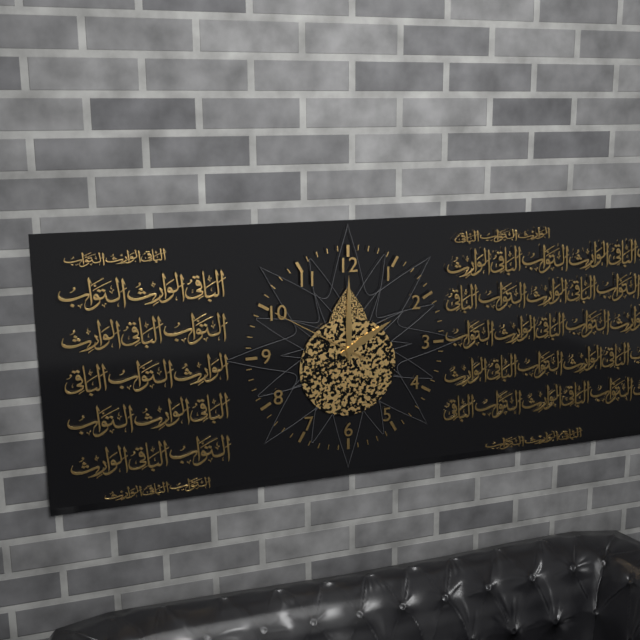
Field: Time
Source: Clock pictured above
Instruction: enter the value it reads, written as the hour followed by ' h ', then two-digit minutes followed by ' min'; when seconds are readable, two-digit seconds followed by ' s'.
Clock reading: 2 h 00 min 50 s
